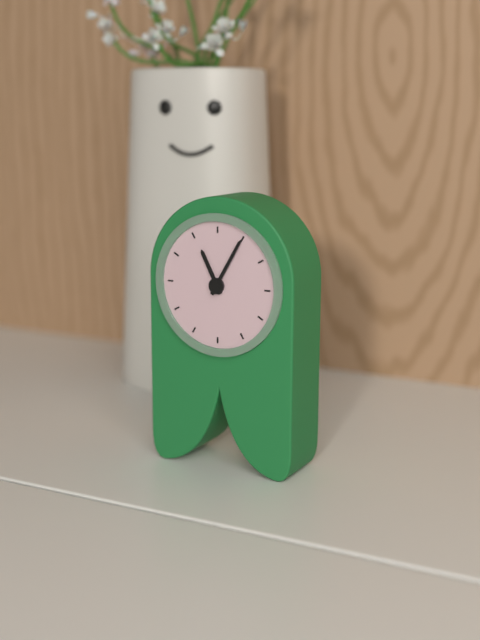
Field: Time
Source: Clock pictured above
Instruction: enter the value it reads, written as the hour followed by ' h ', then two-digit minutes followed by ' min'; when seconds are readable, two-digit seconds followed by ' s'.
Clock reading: 11 h 05 min
